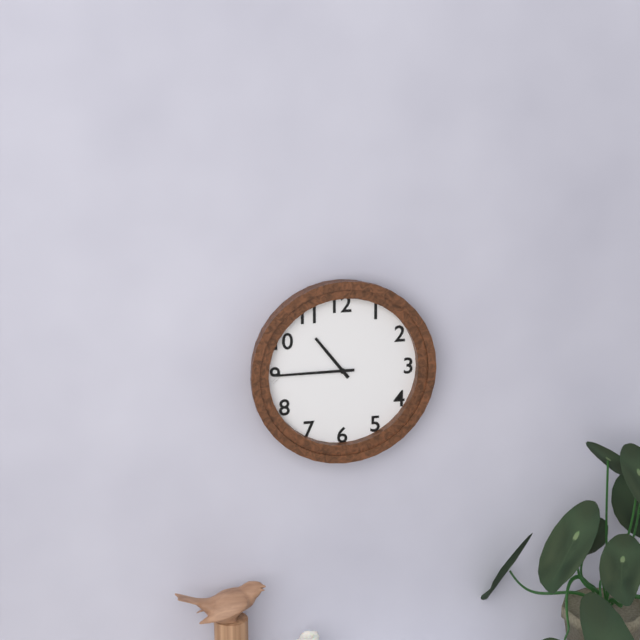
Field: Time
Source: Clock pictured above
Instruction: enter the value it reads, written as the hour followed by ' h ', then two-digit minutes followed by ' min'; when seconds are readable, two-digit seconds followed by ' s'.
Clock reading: 10 h 45 min
